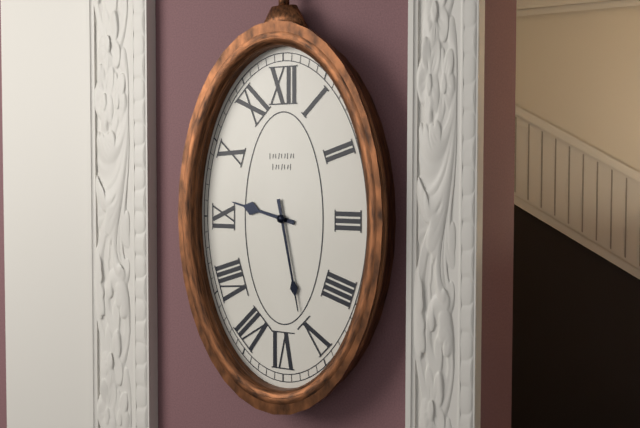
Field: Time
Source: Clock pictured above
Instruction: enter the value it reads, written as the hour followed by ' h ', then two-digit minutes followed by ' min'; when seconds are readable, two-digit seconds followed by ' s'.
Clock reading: 9 h 28 min
